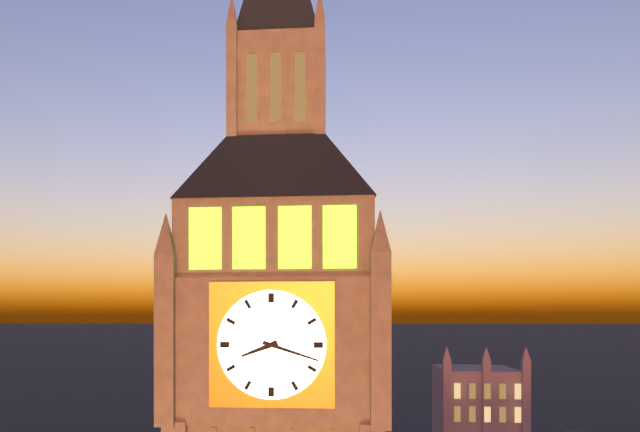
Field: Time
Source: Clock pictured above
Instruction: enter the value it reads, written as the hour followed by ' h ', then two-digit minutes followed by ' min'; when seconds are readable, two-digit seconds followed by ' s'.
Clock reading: 8 h 18 min
